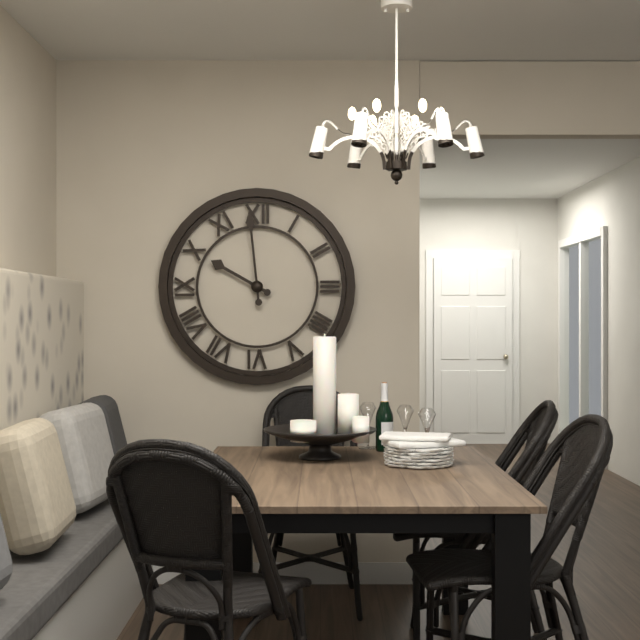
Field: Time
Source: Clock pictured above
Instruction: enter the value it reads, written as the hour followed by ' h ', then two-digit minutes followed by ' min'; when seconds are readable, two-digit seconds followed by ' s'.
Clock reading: 9 h 59 min
